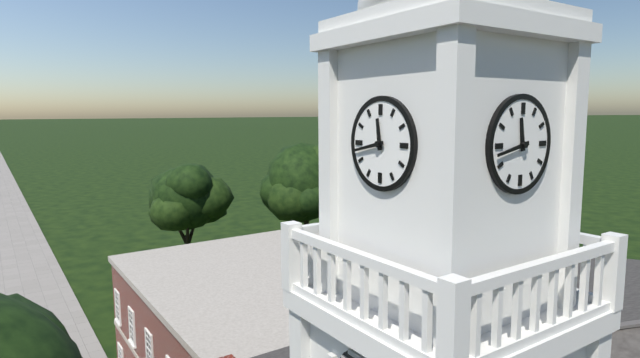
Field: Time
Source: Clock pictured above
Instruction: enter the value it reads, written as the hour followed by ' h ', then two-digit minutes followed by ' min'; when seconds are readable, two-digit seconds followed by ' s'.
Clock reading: 11 h 43 min
